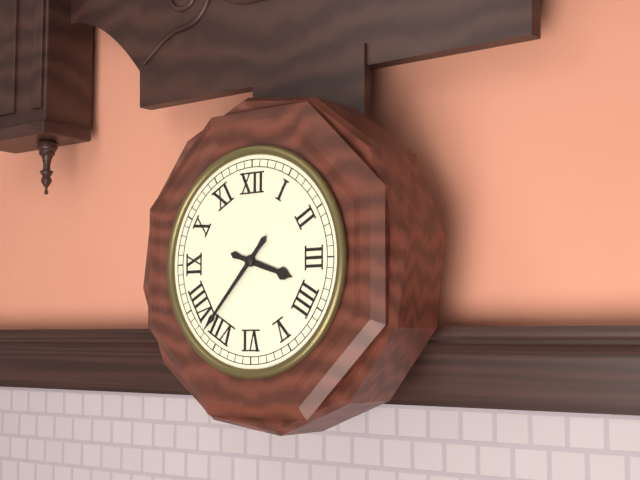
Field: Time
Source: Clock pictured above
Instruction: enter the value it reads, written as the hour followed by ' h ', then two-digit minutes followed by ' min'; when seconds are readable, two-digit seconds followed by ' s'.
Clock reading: 3 h 37 min
